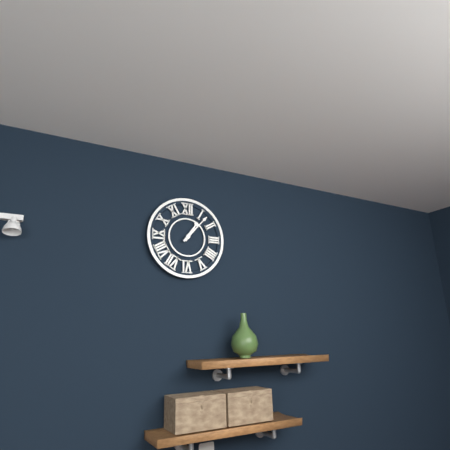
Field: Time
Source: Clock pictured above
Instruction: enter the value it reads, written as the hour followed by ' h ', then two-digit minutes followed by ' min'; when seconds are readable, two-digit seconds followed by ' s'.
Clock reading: 1 h 07 min
